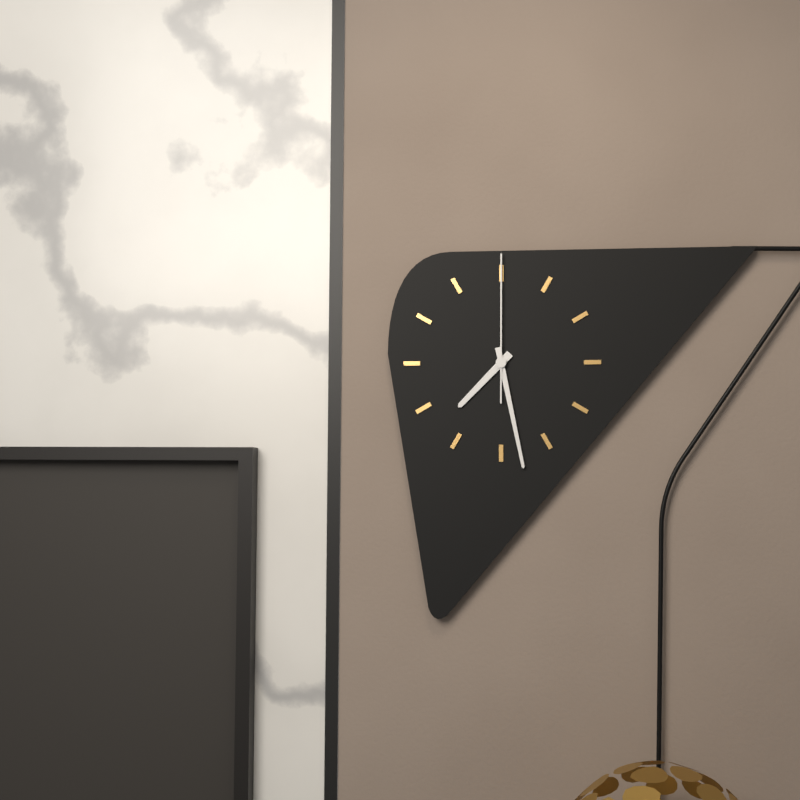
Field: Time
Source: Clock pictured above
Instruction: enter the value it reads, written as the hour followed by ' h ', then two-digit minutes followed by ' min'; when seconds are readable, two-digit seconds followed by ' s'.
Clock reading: 7 h 28 min 00 s
